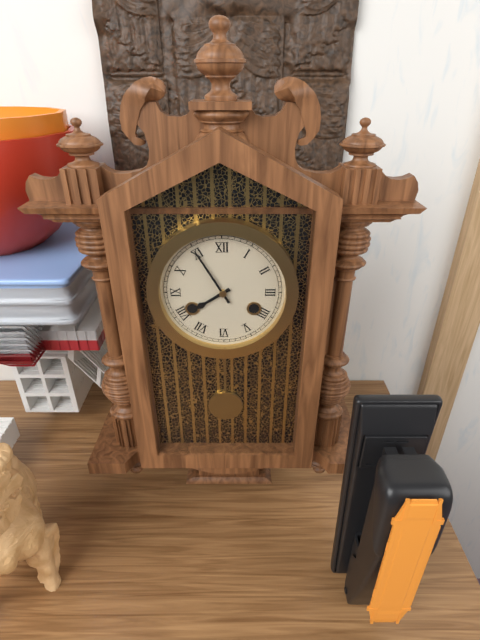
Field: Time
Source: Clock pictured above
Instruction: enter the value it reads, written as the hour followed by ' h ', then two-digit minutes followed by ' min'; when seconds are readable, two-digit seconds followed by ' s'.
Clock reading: 7 h 55 min
